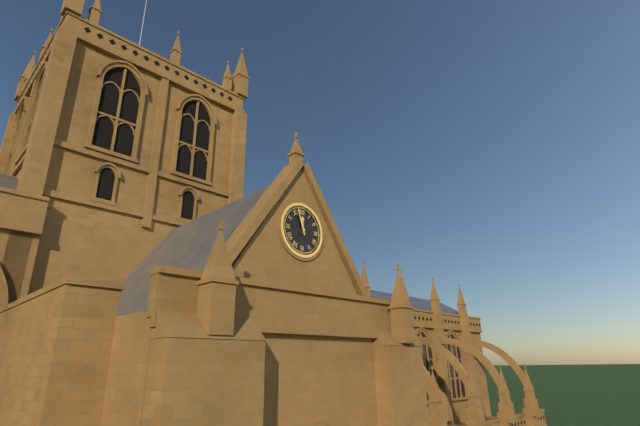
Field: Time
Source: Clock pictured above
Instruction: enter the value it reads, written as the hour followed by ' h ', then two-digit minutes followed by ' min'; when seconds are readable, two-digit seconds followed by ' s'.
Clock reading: 11 h 57 min
